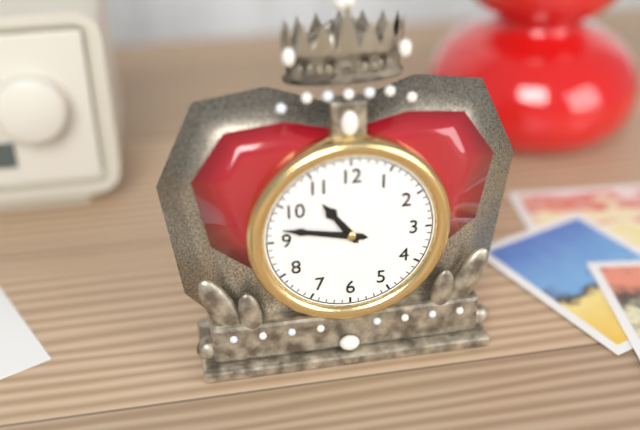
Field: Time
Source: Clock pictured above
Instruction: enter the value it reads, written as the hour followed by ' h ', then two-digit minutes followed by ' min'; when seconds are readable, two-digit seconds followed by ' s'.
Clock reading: 10 h 47 min
